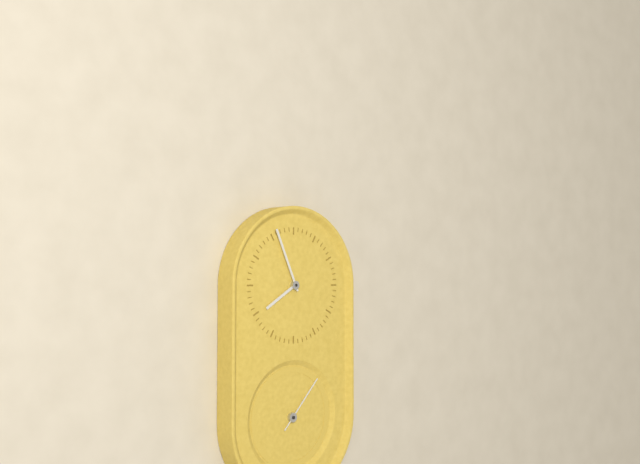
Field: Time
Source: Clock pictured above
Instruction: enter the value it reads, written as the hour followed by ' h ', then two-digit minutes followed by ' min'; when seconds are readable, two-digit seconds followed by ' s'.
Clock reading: 7 h 56 min 07 s
